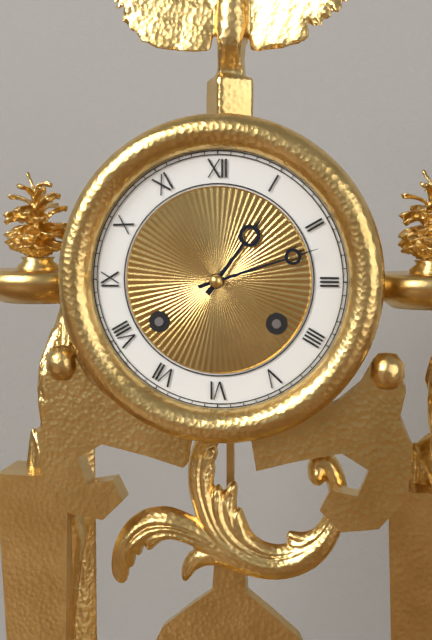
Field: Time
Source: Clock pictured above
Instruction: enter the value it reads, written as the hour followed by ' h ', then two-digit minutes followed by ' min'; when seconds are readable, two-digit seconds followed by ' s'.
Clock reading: 1 h 12 min
